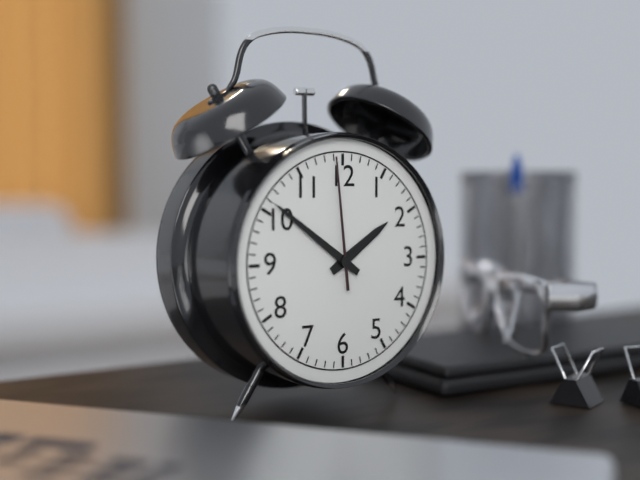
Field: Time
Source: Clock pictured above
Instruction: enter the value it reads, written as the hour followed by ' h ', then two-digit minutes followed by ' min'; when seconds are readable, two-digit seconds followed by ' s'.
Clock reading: 1 h 51 min 59 s
